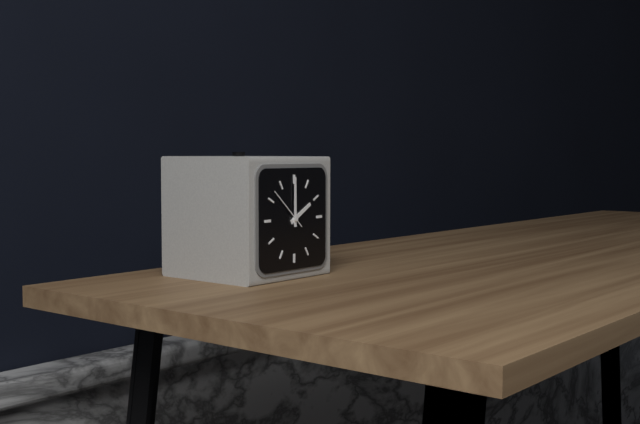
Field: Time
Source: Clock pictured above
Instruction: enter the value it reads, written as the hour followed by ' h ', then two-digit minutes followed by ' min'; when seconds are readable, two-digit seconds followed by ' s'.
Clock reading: 2 h 00 min
